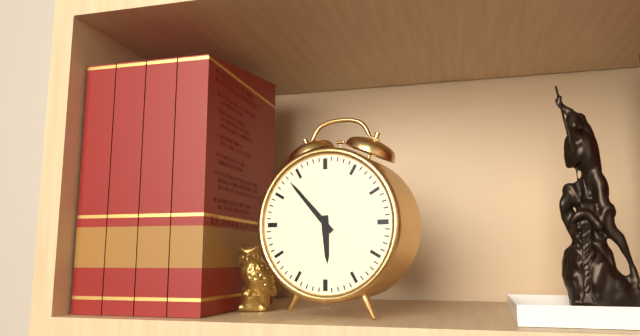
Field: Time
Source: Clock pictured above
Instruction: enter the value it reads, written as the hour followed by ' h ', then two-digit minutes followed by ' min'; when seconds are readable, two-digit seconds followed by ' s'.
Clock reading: 5 h 53 min
